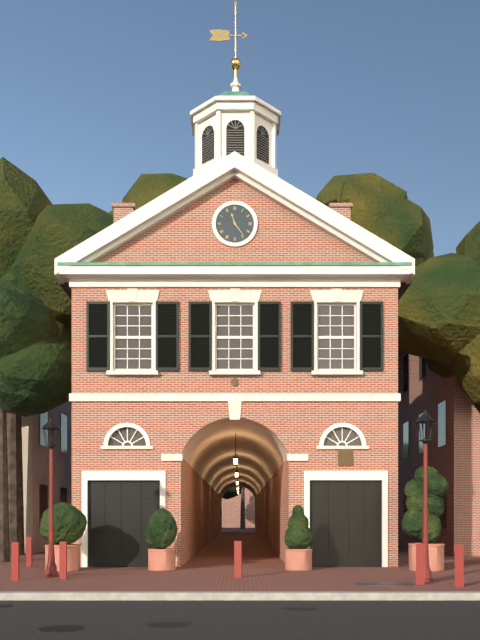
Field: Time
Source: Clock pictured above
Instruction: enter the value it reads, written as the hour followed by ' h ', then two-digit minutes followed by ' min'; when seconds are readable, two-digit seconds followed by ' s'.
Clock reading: 11 h 24 min
